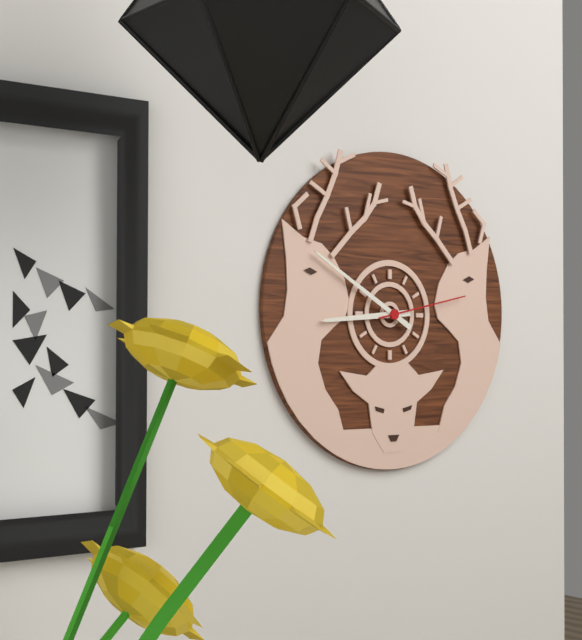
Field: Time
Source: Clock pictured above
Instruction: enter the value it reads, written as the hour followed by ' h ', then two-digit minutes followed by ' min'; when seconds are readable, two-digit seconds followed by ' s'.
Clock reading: 8 h 50 min 13 s
